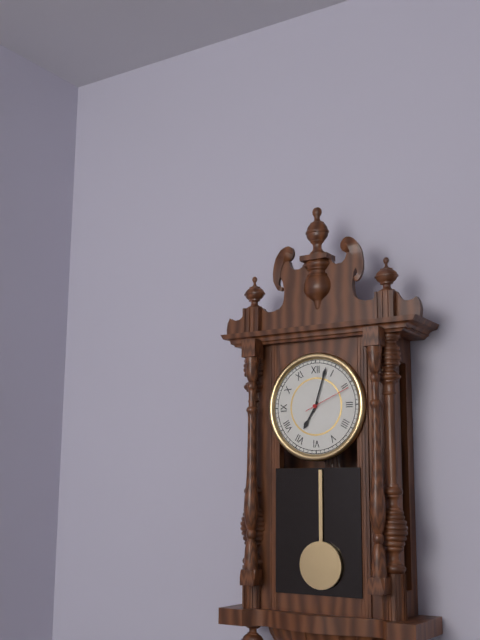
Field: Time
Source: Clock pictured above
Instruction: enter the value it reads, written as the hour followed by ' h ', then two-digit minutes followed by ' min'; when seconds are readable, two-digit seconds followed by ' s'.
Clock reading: 7 h 03 min
